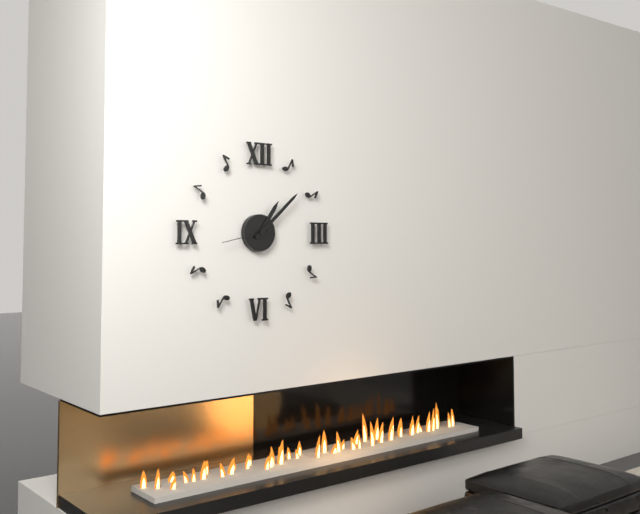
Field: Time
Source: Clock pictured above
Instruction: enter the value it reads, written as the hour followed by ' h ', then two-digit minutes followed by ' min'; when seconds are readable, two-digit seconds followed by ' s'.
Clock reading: 1 h 08 min
